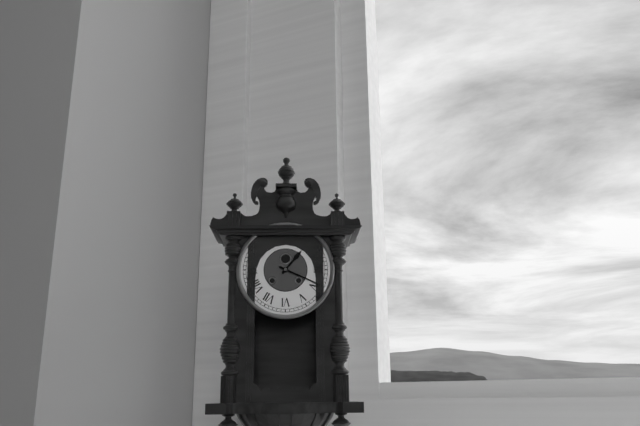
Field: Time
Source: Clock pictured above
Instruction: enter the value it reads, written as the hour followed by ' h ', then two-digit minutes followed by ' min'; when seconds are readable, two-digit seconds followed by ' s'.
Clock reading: 1 h 19 min
